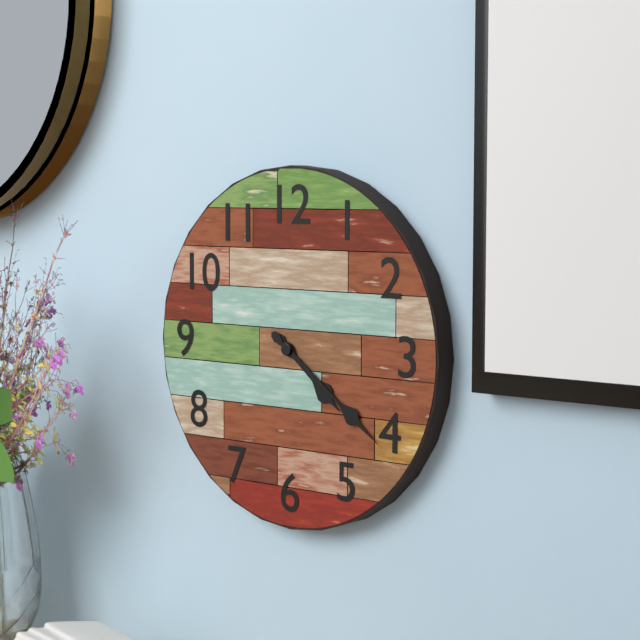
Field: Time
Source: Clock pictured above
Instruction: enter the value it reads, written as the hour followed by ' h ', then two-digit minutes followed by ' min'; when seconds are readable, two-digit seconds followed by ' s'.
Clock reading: 4 h 21 min
